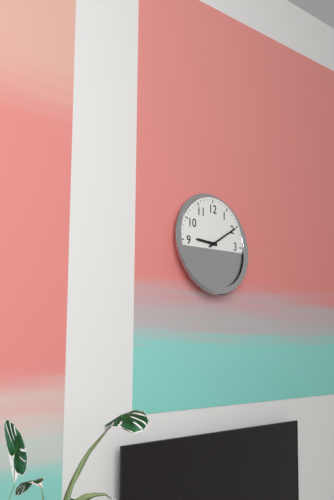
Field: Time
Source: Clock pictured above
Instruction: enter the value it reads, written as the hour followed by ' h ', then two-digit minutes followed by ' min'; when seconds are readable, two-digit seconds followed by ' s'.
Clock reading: 9 h 10 min
